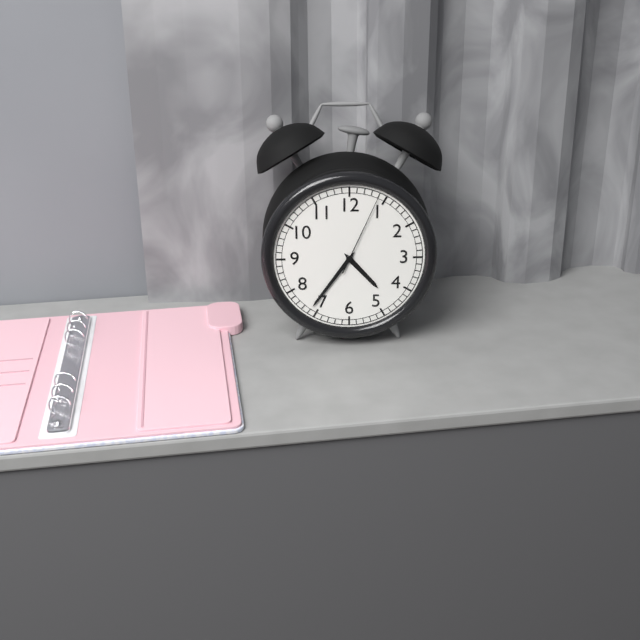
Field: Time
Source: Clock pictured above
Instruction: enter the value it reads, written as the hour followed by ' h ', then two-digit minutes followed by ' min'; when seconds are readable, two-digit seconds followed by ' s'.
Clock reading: 4 h 36 min 04 s
